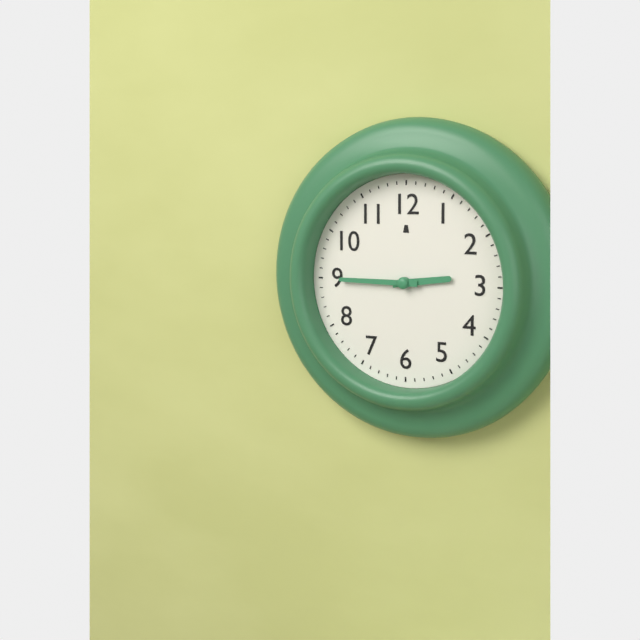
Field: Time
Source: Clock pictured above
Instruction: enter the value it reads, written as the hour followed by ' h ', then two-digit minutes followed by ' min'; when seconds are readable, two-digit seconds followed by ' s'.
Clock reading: 2 h 45 min
